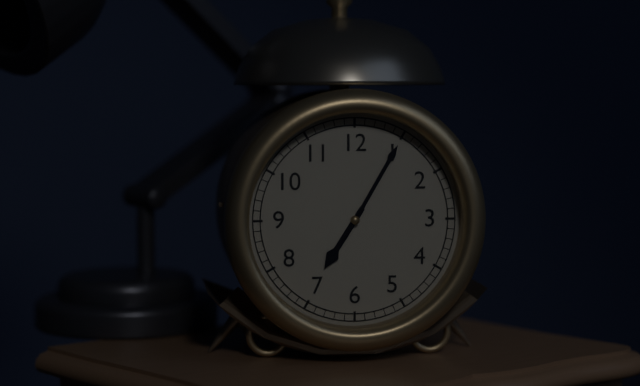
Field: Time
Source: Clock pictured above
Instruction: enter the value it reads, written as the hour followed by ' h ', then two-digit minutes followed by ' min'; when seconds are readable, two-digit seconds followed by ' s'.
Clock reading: 7 h 05 min
